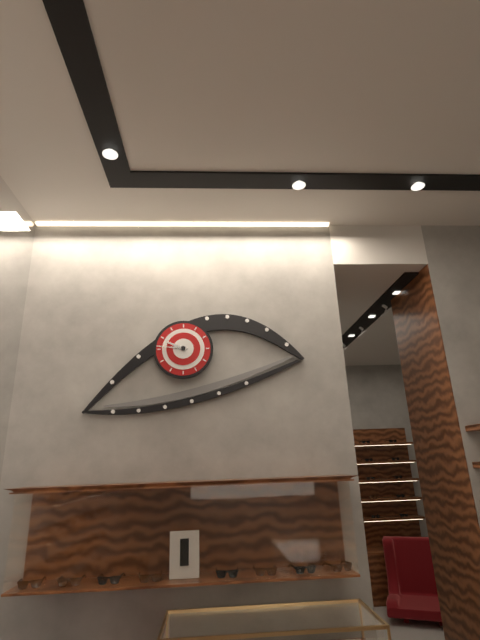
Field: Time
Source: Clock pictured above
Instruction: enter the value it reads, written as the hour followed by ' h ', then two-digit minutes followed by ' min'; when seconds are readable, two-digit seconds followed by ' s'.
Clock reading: 9 h 46 min
